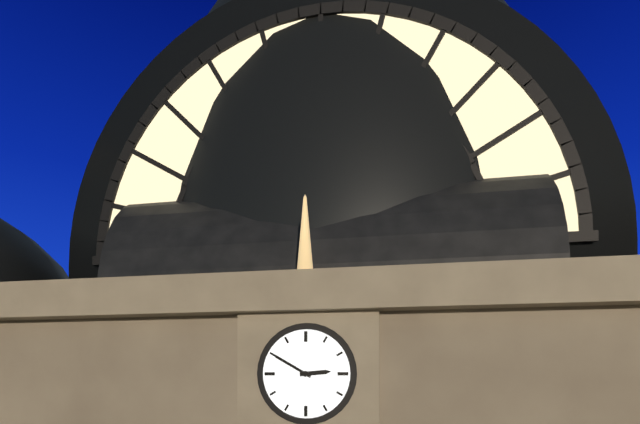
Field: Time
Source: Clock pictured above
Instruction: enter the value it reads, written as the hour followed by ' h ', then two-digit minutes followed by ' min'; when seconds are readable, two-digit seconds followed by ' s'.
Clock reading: 2 h 50 min
